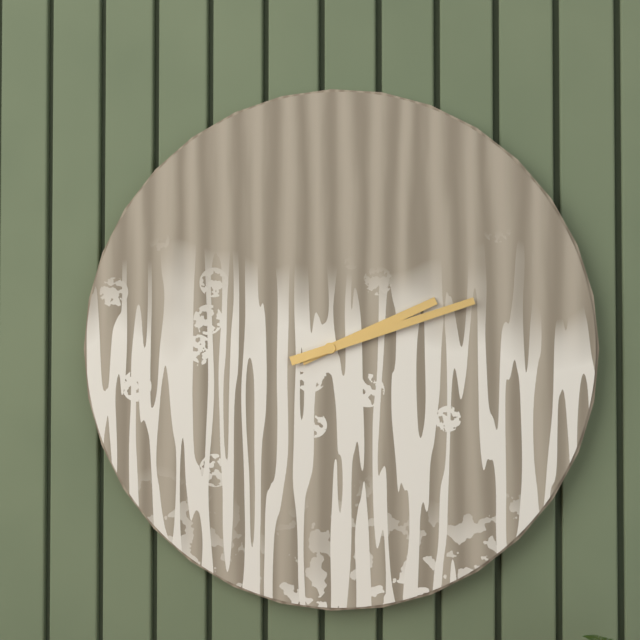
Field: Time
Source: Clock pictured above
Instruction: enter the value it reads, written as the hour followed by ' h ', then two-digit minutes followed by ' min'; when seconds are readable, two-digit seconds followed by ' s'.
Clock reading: 2 h 12 min
